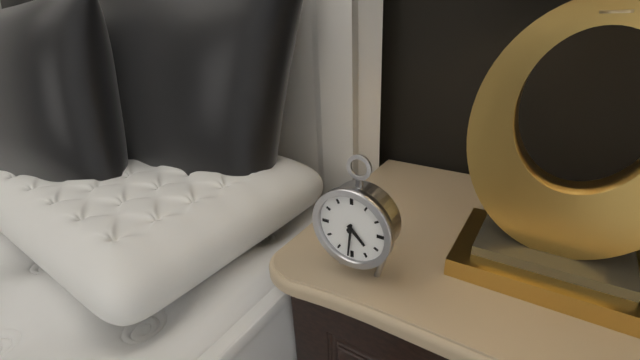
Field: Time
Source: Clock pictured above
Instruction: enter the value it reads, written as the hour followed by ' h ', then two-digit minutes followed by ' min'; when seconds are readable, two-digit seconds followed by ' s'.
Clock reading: 4 h 31 min
